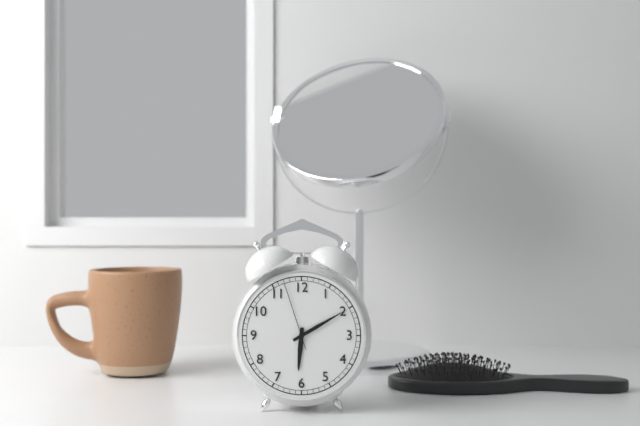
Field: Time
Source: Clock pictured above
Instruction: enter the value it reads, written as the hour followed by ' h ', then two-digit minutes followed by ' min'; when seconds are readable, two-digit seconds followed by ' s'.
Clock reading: 6 h 10 min 57 s
